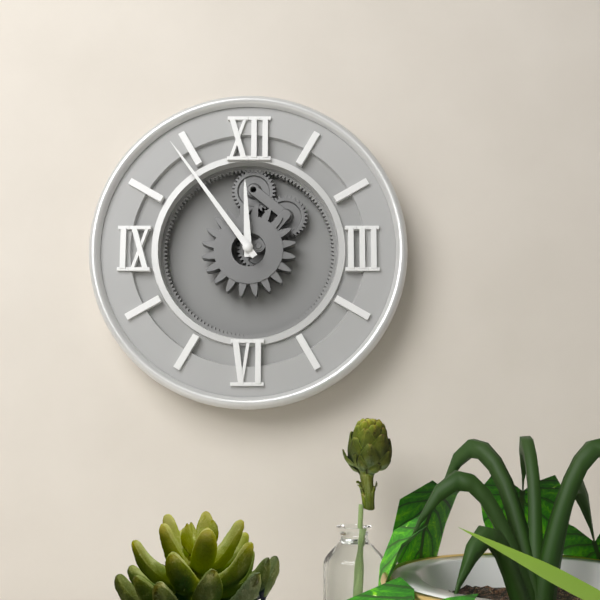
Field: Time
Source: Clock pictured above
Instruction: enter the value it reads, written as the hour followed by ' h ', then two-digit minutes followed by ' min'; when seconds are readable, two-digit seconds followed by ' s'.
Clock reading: 11 h 54 min
